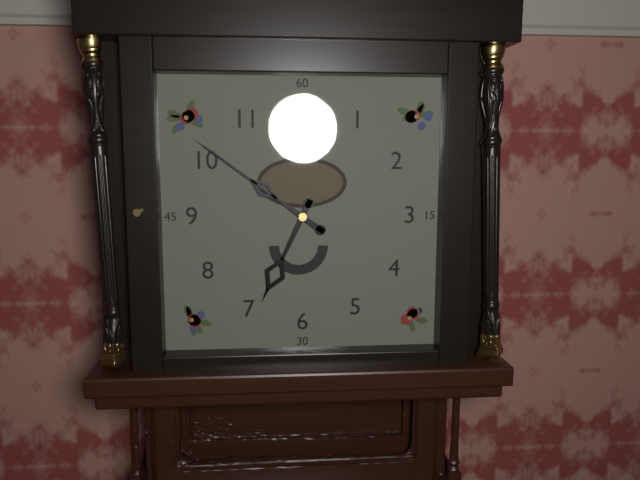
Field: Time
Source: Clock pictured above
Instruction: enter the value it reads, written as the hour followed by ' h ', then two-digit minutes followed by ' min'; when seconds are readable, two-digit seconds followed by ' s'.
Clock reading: 6 h 51 min
